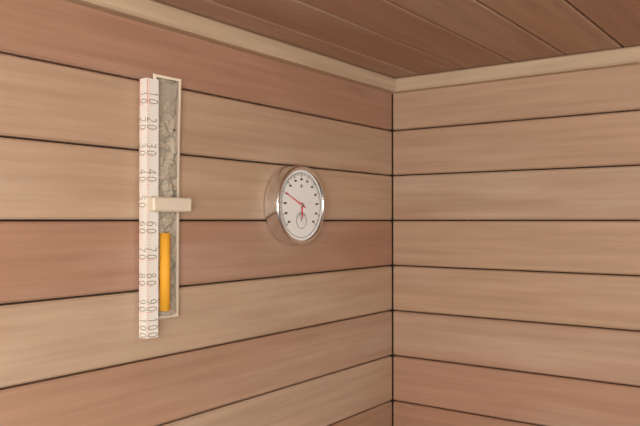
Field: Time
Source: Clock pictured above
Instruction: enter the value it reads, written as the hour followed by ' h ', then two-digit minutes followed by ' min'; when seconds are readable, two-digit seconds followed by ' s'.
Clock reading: 5 h 49 min
